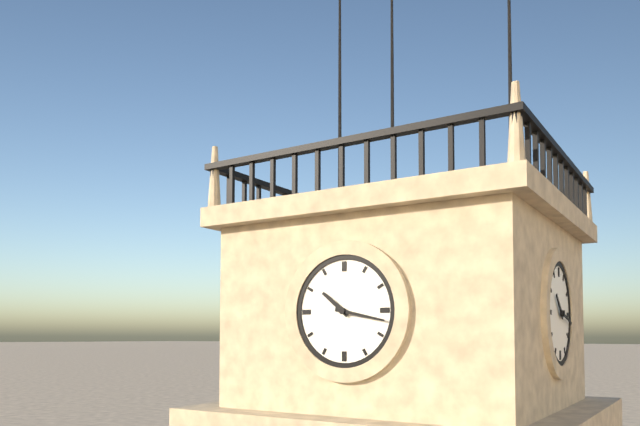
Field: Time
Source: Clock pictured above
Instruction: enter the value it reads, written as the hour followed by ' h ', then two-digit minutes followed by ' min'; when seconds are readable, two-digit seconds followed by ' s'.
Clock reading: 10 h 17 min
